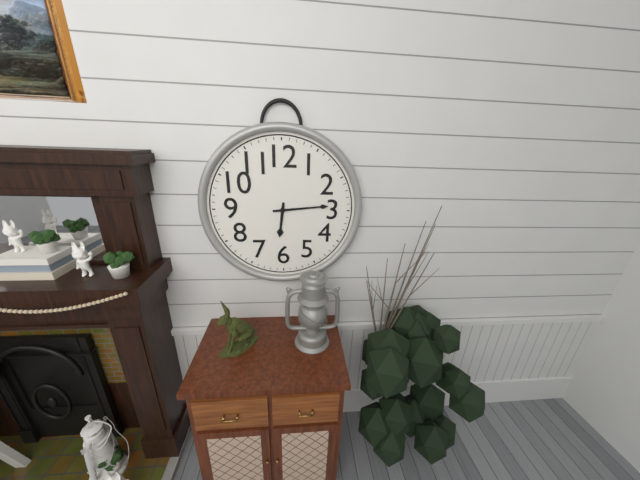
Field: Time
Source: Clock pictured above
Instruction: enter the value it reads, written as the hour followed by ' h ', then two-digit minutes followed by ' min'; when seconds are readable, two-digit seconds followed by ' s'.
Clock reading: 6 h 14 min
